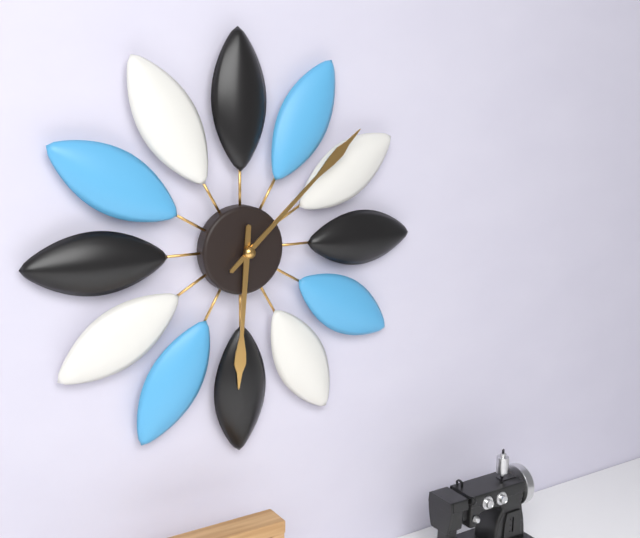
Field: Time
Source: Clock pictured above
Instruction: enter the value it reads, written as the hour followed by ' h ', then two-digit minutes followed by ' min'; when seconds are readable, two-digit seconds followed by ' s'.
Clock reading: 6 h 08 min
